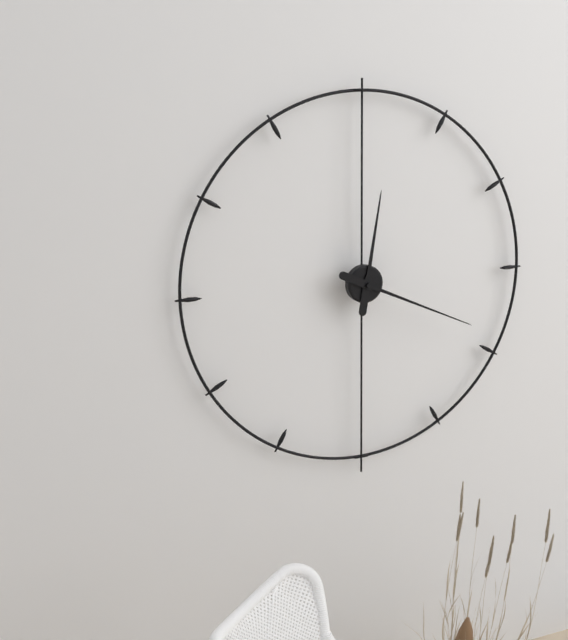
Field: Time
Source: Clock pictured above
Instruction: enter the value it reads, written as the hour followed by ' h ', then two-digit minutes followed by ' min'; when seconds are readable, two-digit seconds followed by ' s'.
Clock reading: 12 h 19 min
